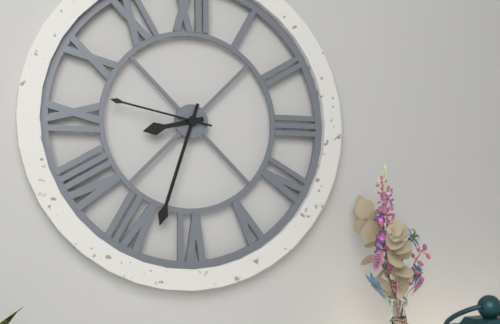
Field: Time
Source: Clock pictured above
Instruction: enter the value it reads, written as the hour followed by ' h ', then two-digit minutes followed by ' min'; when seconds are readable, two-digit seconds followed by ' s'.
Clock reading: 8 h 33 min 47 s
